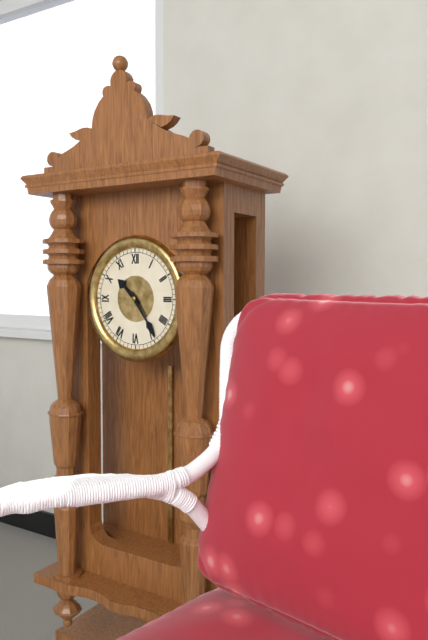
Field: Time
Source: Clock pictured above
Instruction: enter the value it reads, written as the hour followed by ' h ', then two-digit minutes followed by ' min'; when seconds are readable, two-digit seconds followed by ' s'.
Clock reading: 10 h 24 min
